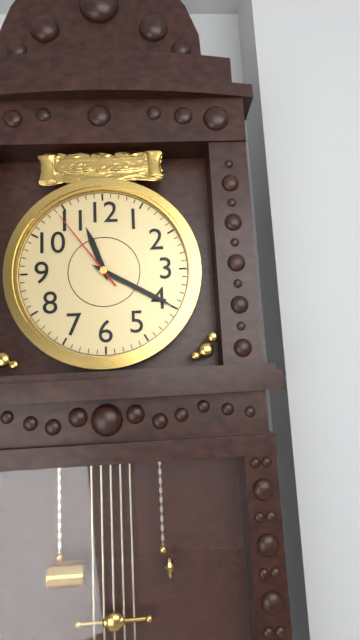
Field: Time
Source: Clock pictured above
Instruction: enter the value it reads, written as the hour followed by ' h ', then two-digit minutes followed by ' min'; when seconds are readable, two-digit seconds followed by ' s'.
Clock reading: 11 h 20 min 54 s
